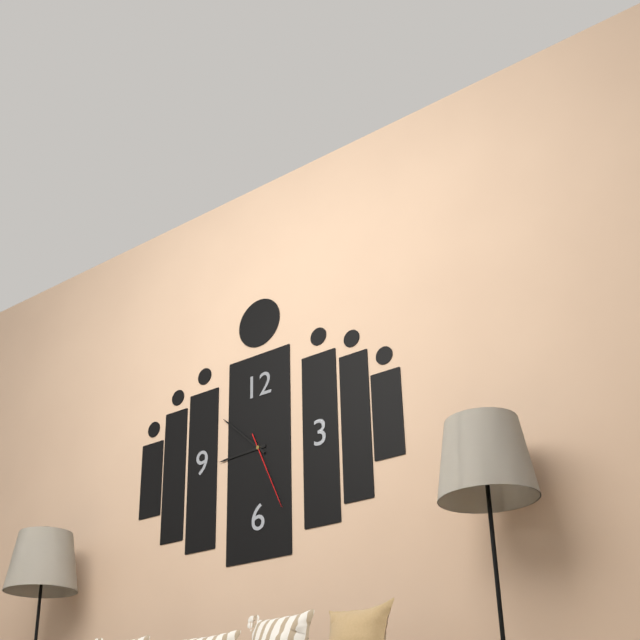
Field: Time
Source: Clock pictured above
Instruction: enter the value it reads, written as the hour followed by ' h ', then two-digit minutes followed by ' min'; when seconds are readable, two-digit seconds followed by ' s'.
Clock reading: 8 h 52 min 26 s
